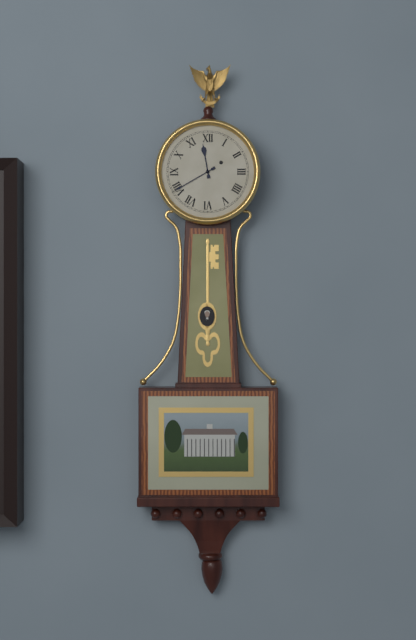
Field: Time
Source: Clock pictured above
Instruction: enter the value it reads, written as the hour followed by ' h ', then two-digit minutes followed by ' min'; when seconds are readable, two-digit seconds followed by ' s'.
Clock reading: 11 h 40 min
